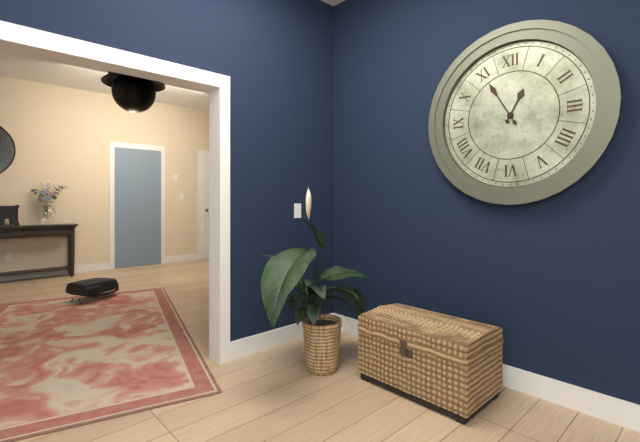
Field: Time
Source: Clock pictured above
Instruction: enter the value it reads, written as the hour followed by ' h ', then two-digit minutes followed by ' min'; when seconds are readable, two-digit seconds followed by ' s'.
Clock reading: 12 h 55 min
